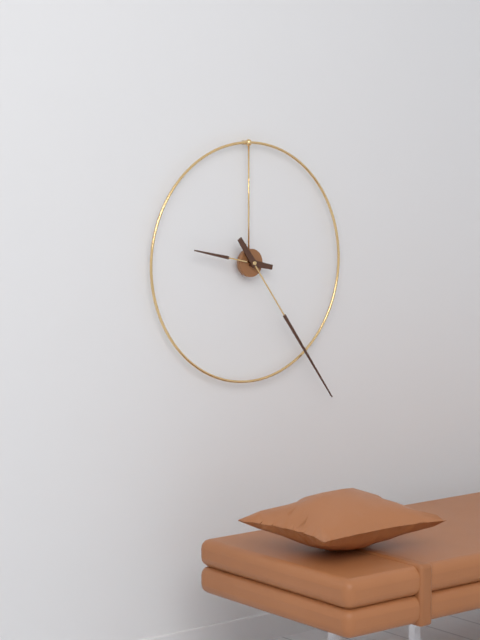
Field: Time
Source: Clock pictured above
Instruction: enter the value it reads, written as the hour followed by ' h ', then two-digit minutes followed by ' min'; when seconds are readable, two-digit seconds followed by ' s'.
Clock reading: 9 h 24 min
